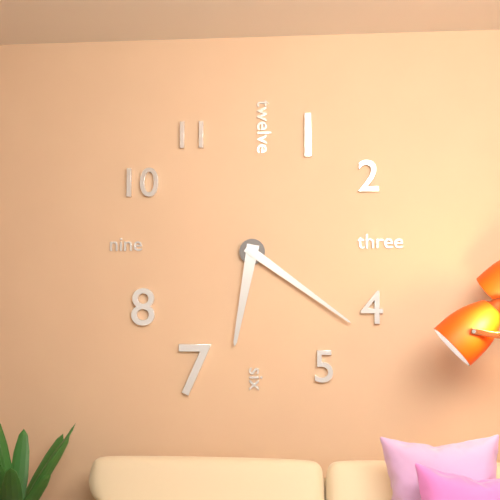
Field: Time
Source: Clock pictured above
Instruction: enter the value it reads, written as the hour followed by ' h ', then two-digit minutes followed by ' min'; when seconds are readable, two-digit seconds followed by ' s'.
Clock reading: 6 h 21 min
